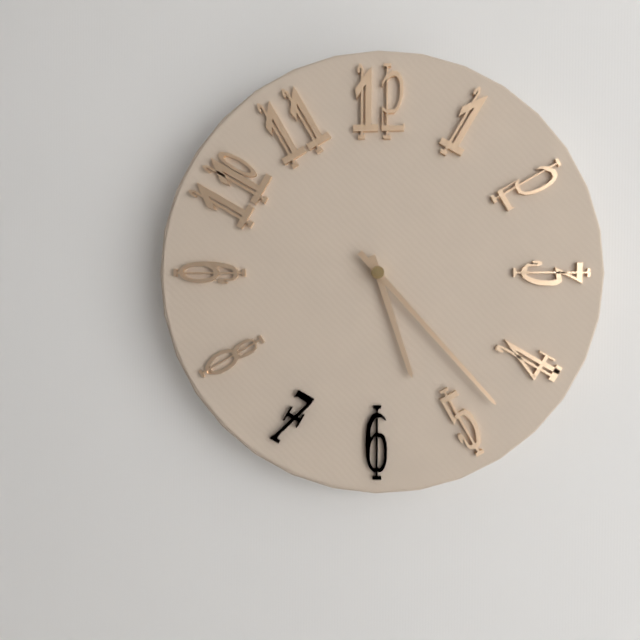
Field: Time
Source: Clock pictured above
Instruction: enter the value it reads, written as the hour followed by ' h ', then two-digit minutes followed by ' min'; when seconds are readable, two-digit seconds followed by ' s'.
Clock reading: 5 h 23 min
